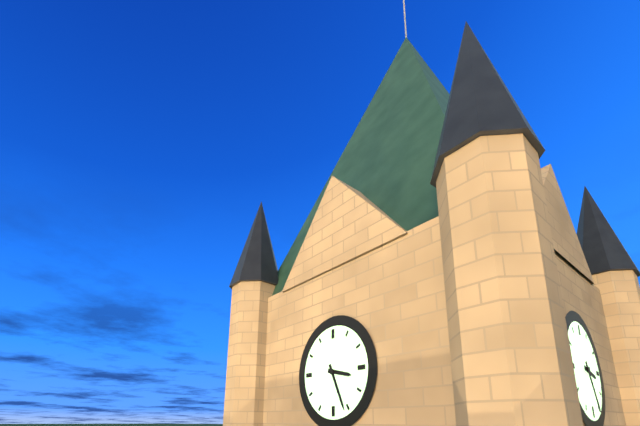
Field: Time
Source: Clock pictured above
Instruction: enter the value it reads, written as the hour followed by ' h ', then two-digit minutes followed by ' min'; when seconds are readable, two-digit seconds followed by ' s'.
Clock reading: 3 h 26 min
